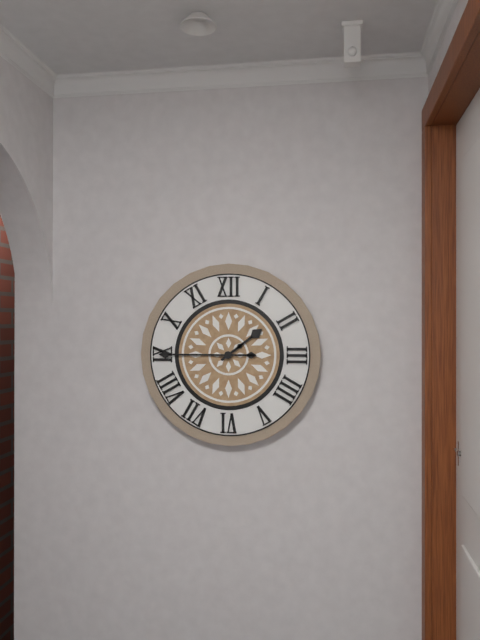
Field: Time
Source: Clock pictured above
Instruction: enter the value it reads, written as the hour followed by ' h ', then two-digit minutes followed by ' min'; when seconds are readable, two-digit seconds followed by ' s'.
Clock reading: 1 h 45 min
